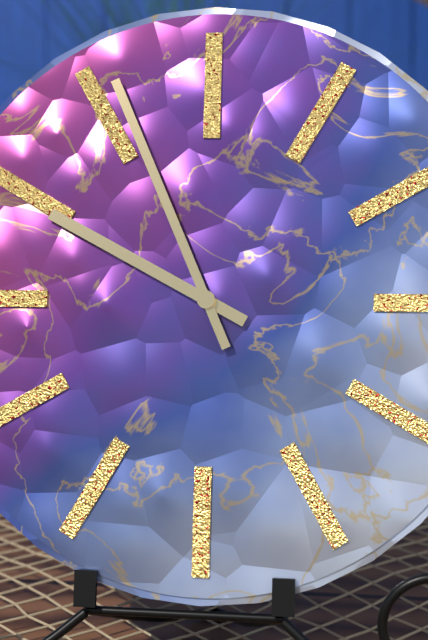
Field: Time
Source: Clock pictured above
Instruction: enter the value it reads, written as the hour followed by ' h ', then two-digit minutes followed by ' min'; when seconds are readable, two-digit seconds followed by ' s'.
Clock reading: 9 h 56 min
